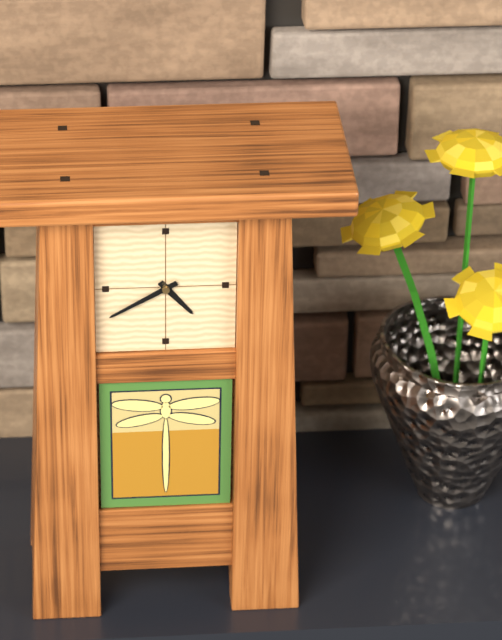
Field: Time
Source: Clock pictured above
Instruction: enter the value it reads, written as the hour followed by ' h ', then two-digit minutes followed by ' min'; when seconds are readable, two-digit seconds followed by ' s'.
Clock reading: 4 h 40 min
